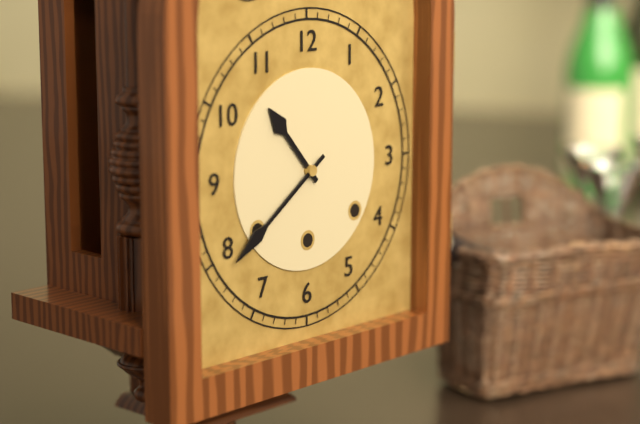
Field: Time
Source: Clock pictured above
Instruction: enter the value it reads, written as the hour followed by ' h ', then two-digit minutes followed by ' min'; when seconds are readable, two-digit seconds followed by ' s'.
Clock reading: 10 h 39 min
